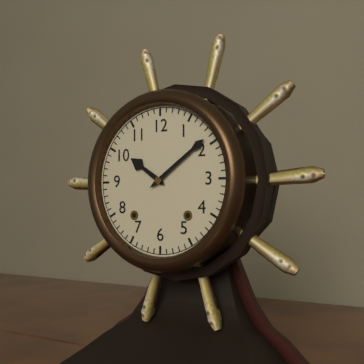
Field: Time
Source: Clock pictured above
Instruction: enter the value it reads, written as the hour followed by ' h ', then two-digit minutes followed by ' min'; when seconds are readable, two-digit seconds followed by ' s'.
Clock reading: 10 h 09 min
